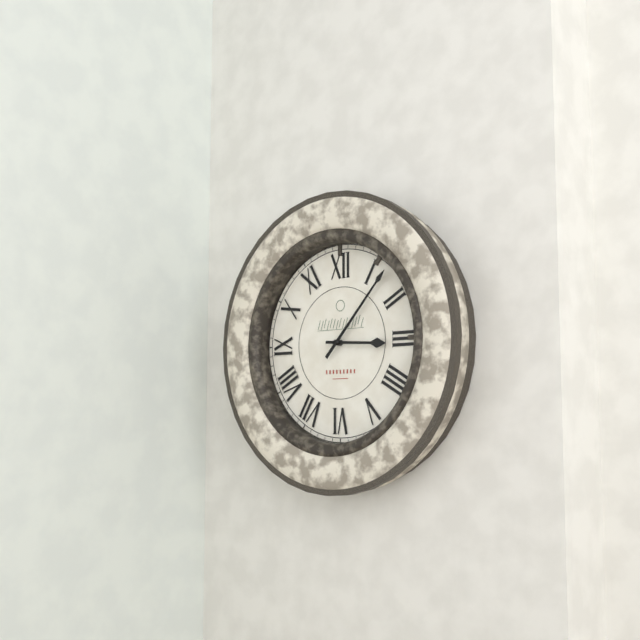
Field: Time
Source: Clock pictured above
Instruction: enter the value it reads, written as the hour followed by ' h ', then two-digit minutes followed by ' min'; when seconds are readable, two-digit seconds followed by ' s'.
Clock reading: 3 h 07 min
